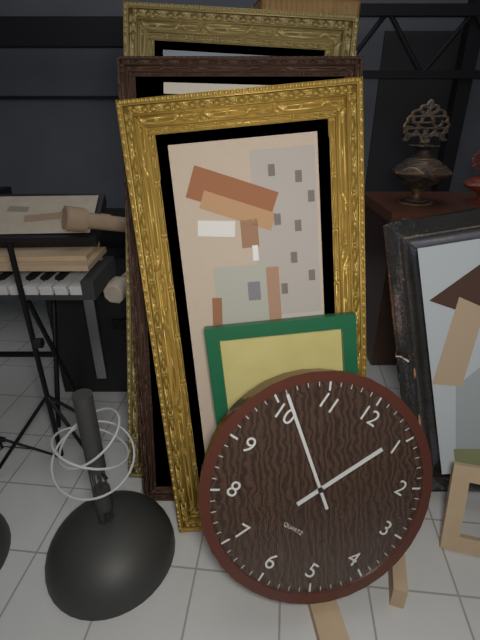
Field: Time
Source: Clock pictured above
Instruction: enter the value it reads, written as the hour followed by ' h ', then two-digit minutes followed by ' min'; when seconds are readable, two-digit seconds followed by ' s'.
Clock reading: 12 h 51 min
